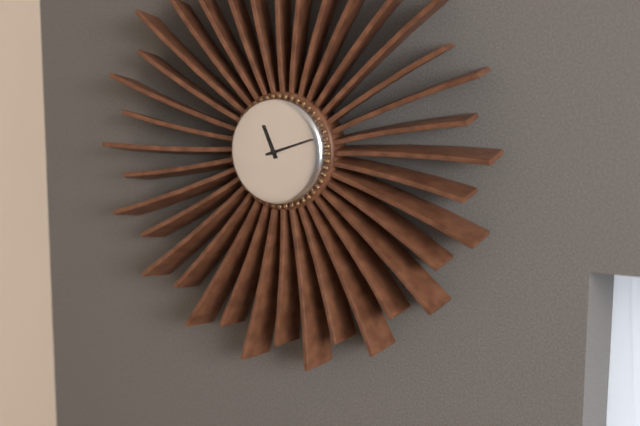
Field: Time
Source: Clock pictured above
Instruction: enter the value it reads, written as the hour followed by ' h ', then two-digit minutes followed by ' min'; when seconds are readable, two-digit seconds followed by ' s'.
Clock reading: 11 h 12 min
